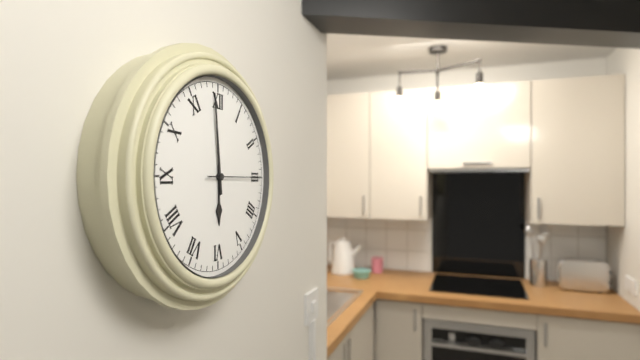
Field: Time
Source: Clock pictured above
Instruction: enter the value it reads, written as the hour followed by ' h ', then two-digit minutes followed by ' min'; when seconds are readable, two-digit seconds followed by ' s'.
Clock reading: 5 h 59 min 15 s
